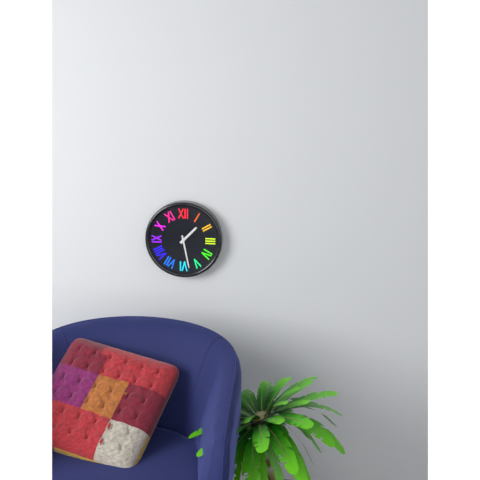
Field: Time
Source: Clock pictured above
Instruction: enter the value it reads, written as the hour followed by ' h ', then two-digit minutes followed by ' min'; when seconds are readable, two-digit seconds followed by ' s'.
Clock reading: 1 h 28 min
